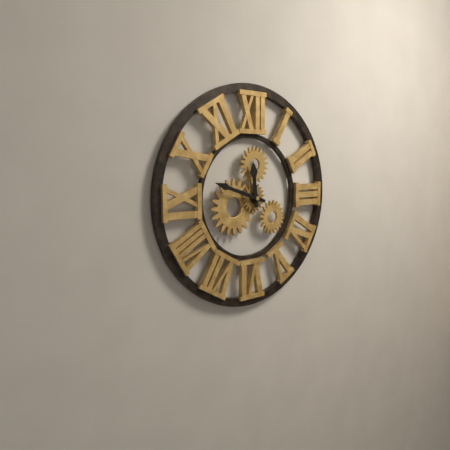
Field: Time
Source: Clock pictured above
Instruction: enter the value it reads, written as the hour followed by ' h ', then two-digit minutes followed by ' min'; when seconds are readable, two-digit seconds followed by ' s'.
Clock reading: 11 h 48 min
